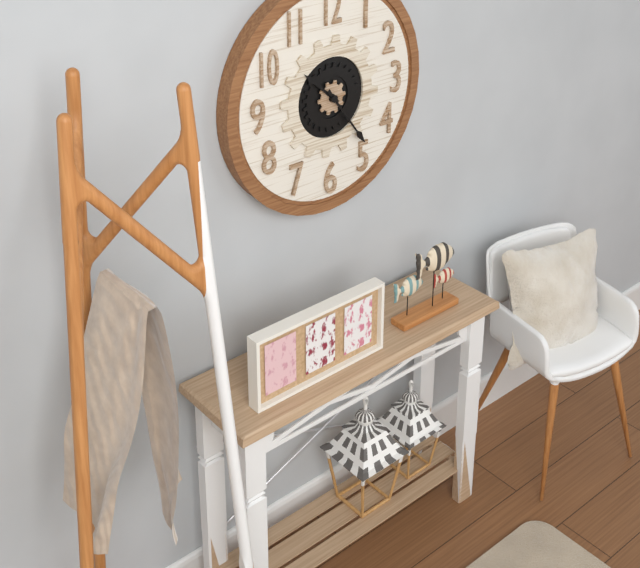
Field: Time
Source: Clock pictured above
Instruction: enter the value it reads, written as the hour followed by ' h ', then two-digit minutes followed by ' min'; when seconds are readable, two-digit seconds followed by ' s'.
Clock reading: 10 h 24 min
